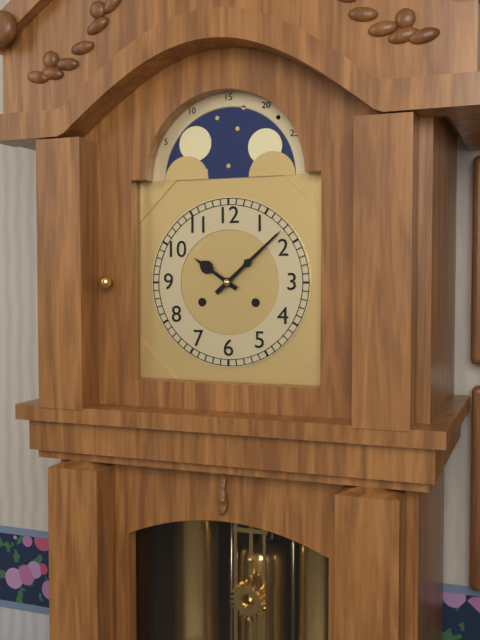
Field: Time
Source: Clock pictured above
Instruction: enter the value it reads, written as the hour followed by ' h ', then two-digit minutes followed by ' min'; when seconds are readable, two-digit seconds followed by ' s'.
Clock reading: 10 h 08 min
